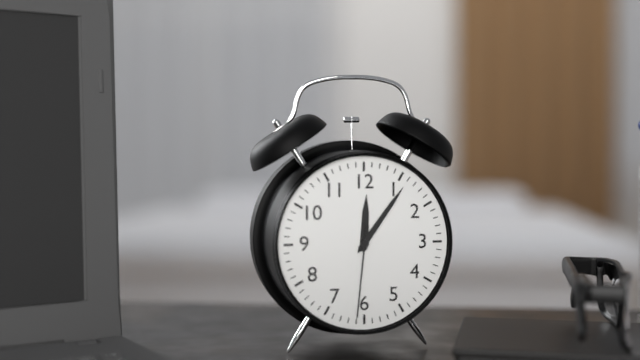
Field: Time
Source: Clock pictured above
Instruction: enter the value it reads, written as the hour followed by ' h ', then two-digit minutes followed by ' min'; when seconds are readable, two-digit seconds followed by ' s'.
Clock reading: 12 h 06 min 31 s
